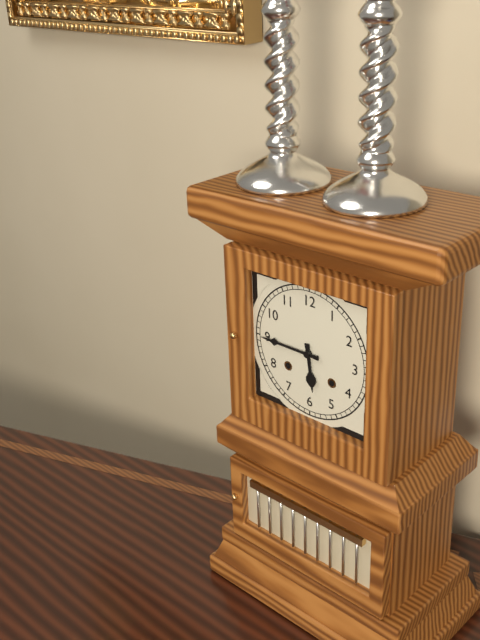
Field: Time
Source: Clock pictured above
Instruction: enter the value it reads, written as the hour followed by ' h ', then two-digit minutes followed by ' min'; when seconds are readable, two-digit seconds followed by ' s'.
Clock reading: 5 h 45 min
